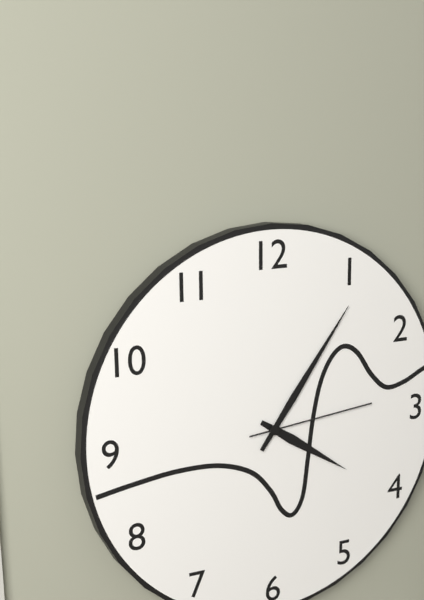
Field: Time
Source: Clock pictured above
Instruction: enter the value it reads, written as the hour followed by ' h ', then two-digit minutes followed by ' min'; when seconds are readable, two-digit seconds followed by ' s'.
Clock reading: 4 h 06 min 14 s
